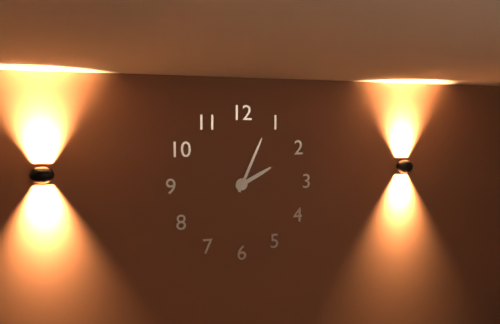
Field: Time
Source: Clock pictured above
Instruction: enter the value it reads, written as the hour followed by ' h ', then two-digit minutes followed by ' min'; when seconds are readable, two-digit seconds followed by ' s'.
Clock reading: 2 h 04 min
